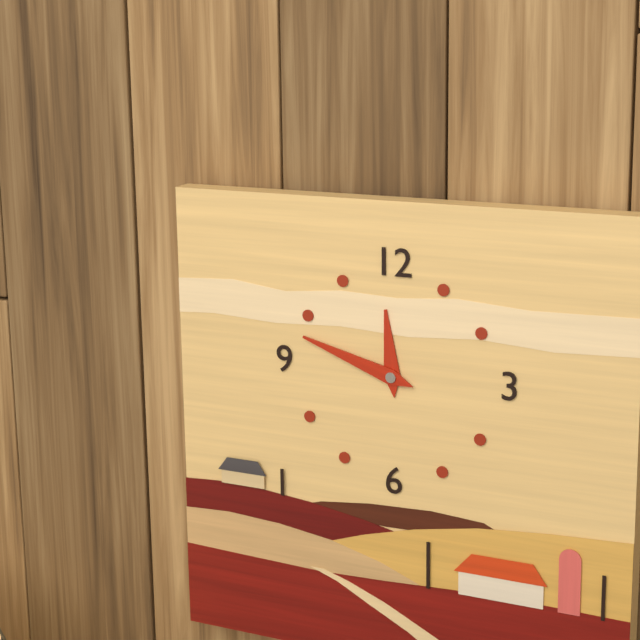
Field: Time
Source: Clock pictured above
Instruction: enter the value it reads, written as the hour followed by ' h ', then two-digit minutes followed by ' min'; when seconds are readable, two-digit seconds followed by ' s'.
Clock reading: 11 h 48 min
